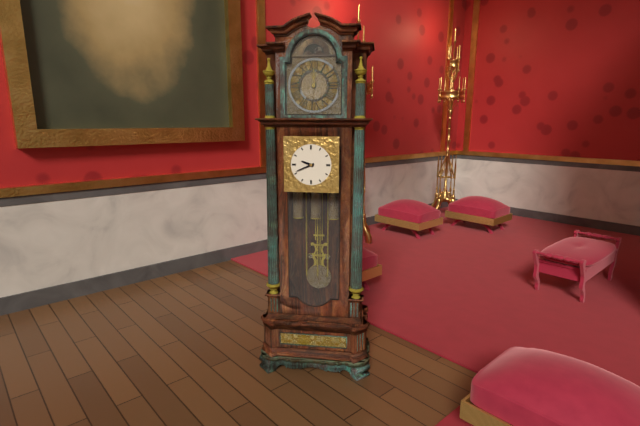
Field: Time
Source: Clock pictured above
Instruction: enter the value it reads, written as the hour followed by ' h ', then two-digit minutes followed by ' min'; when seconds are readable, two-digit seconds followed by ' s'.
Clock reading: 9 h 41 min
